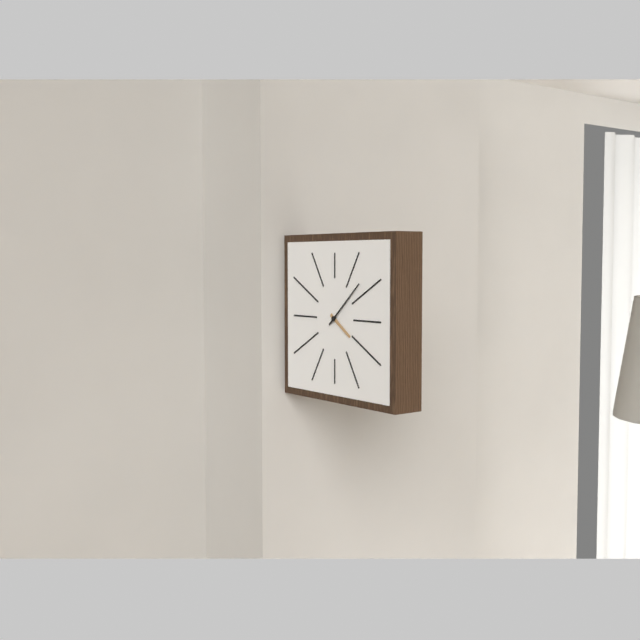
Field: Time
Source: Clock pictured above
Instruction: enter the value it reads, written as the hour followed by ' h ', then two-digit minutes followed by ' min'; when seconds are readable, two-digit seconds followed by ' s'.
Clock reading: 4 h 08 min
